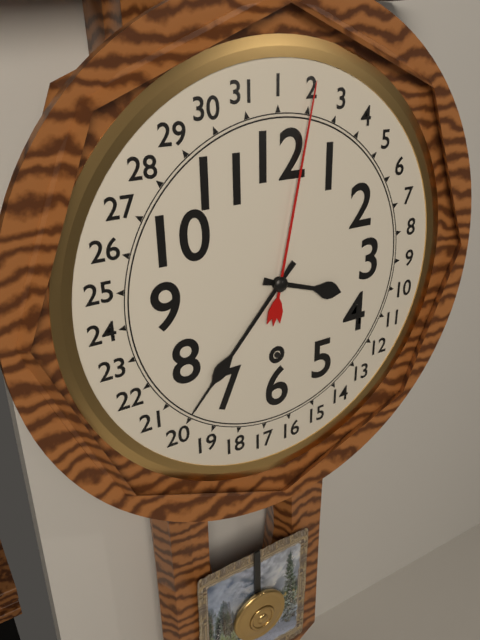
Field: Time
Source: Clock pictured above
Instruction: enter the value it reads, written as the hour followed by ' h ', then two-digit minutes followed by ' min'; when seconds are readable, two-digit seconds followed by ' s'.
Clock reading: 3 h 37 min
